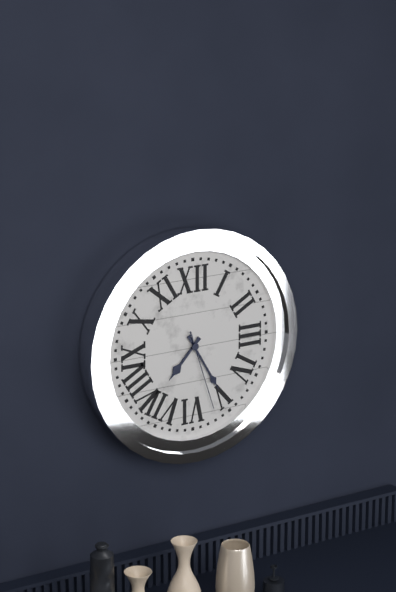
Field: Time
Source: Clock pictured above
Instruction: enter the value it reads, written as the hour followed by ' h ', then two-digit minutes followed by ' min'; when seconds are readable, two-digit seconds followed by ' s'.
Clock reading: 7 h 25 min 27 s
